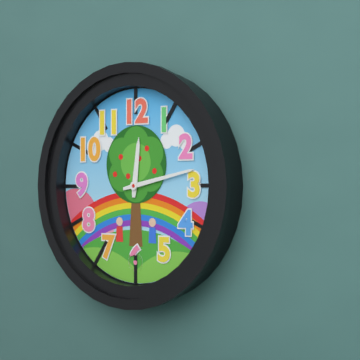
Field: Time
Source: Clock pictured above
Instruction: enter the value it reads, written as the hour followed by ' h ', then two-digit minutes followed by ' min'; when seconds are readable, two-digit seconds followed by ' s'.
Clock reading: 12 h 13 min
